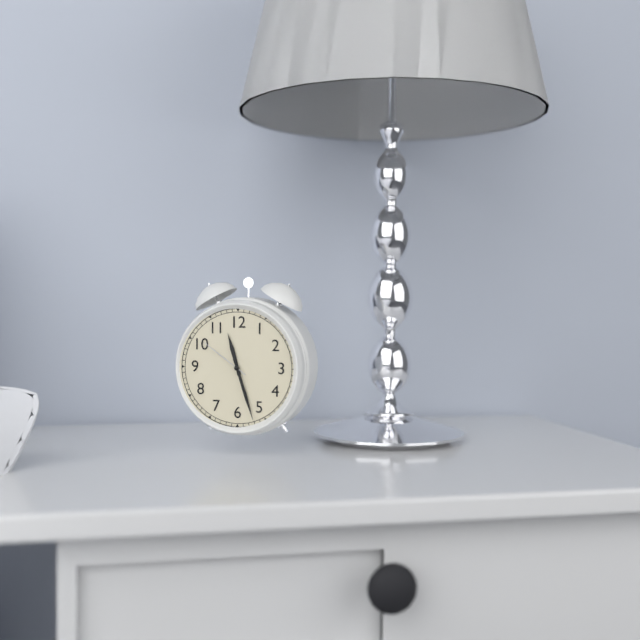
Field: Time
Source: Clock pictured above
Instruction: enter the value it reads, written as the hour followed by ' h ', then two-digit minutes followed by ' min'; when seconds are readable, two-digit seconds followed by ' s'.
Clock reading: 11 h 27 min 51 s
